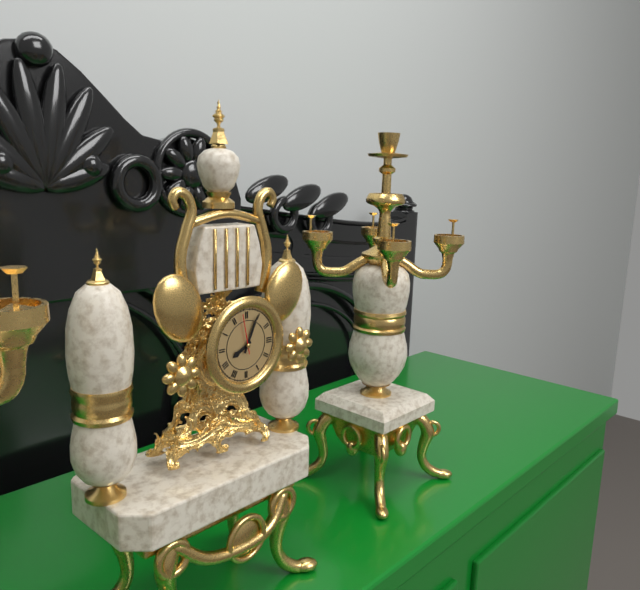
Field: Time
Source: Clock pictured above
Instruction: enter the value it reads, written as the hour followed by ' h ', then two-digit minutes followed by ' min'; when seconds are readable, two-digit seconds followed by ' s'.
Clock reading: 8 h 04 min
